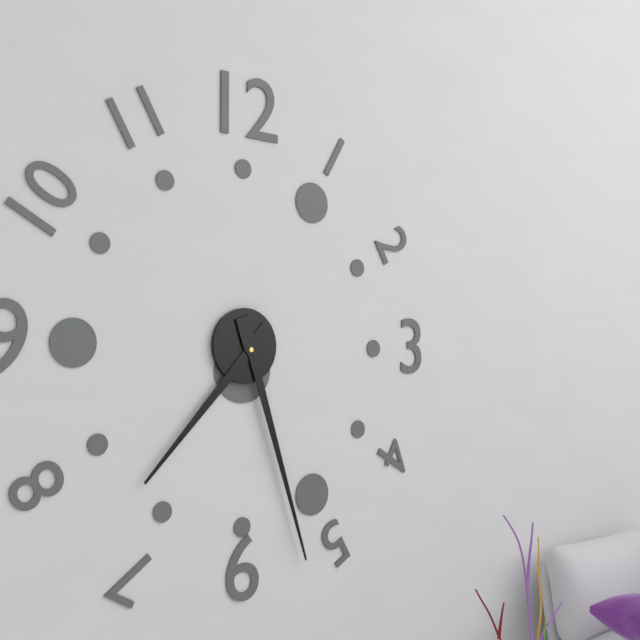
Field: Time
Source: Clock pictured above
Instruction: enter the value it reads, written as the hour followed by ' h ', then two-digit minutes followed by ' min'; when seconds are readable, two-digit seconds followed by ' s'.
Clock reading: 7 h 27 min
